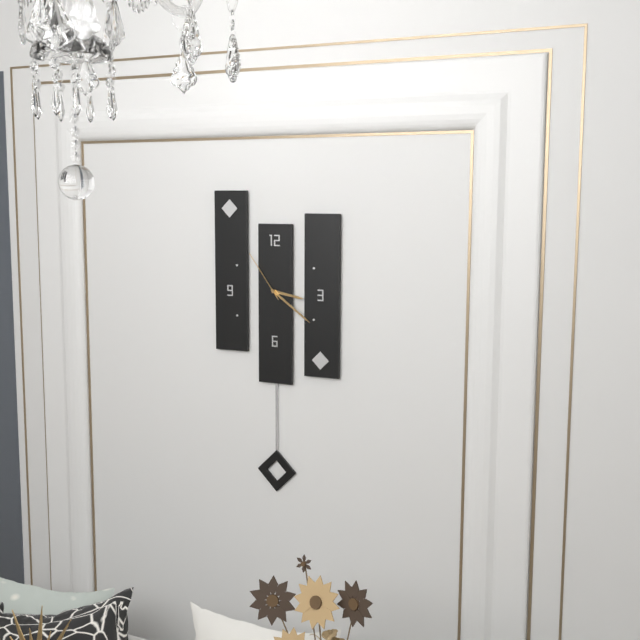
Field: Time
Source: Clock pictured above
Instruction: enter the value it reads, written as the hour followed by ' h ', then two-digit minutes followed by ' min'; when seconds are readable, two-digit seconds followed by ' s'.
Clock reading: 3 h 21 min 54 s
